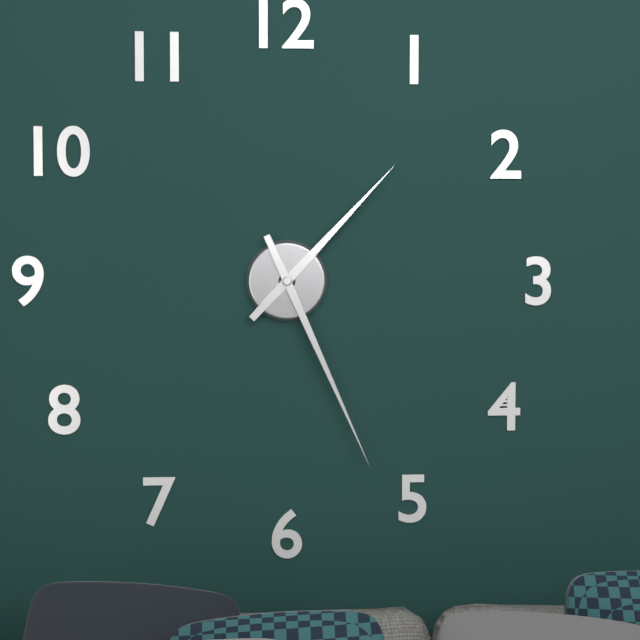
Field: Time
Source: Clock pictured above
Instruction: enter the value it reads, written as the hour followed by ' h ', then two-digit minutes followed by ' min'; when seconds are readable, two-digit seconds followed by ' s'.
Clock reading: 1 h 26 min
